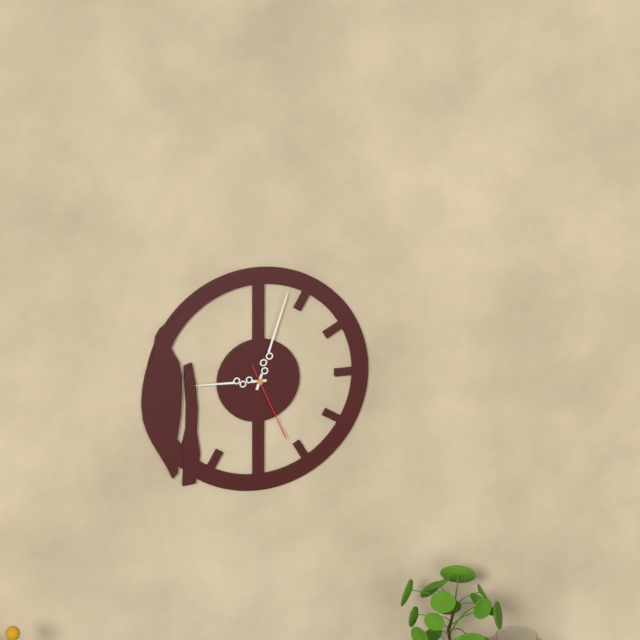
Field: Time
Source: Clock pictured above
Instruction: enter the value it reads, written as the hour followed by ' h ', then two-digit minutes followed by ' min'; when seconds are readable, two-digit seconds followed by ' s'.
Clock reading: 9 h 03 min 26 s
